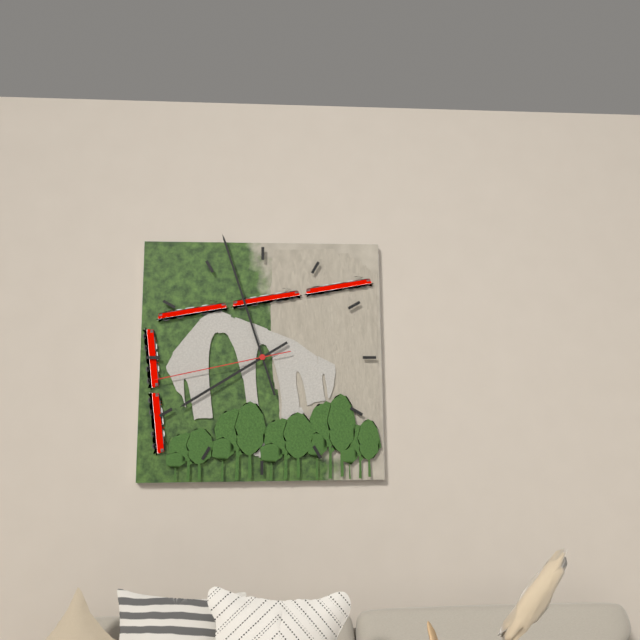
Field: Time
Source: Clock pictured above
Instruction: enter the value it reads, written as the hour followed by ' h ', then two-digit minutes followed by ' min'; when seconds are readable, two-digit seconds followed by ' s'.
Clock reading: 7 h 57 min 43 s
